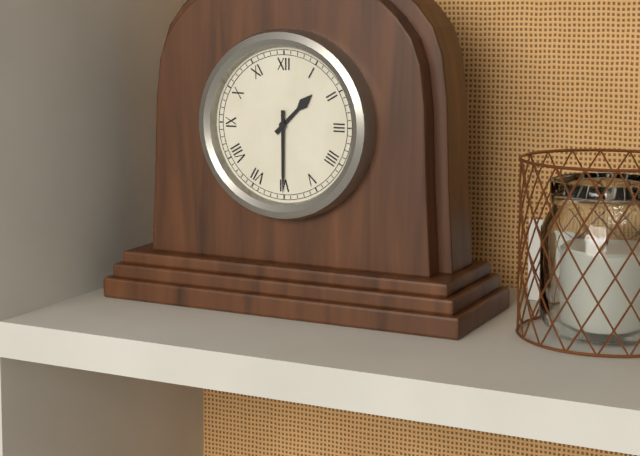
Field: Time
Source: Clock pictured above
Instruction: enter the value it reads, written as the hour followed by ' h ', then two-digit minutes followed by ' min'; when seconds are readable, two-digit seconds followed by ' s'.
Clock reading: 1 h 30 min
